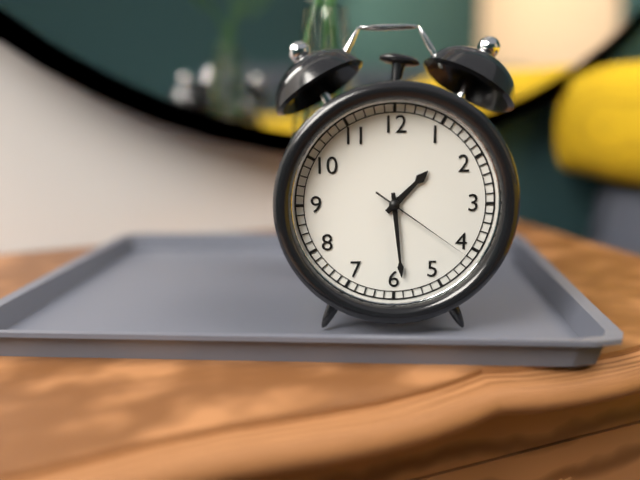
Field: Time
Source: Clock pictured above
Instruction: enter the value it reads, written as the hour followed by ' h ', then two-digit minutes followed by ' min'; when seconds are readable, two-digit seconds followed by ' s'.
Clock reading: 1 h 29 min 21 s
